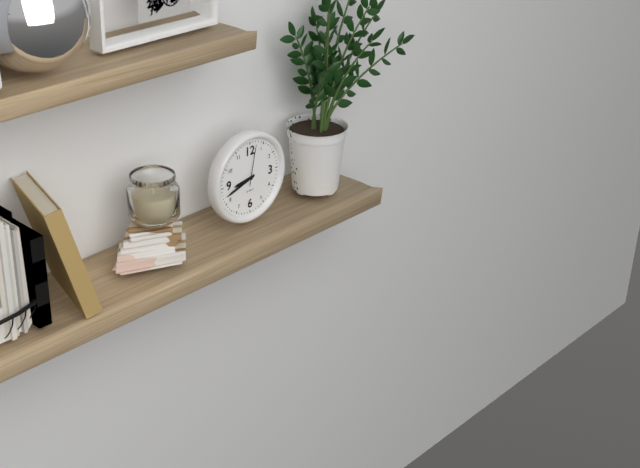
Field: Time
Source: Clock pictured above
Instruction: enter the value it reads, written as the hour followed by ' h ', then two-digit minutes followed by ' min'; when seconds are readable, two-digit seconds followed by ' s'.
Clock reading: 8 h 42 min
